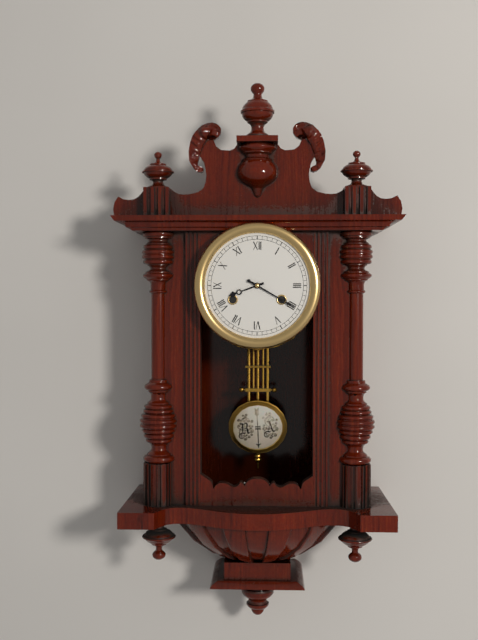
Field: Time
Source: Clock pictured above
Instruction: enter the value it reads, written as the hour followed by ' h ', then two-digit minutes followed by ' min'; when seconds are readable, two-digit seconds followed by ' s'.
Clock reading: 8 h 20 min
